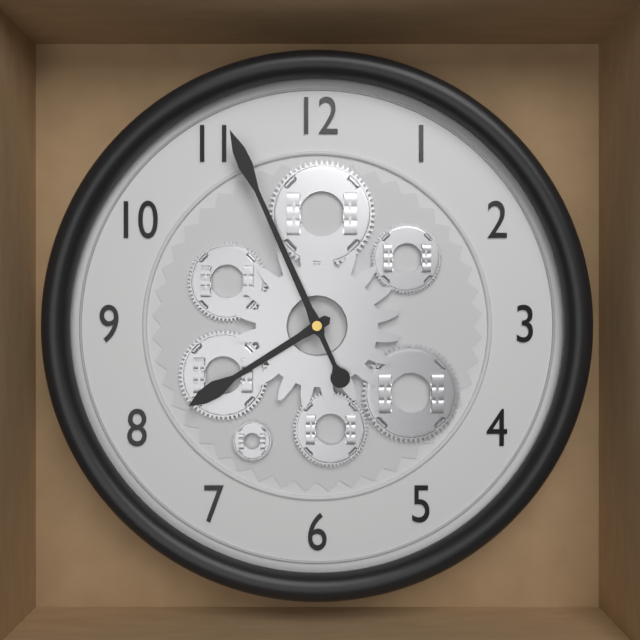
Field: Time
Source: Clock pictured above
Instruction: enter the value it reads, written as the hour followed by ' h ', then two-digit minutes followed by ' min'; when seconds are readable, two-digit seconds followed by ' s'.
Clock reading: 7 h 56 min
